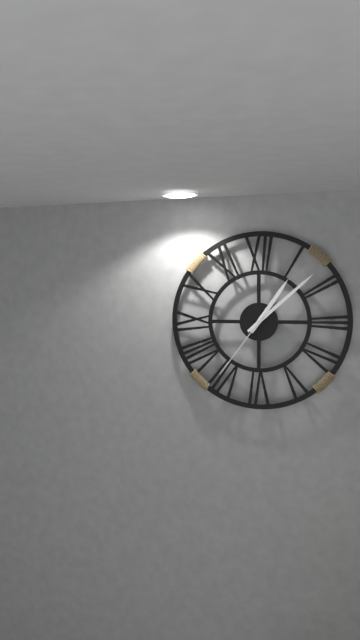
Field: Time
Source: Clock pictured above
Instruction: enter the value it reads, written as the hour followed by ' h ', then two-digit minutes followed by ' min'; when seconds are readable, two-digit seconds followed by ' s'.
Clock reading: 1 h 08 min 36 s
